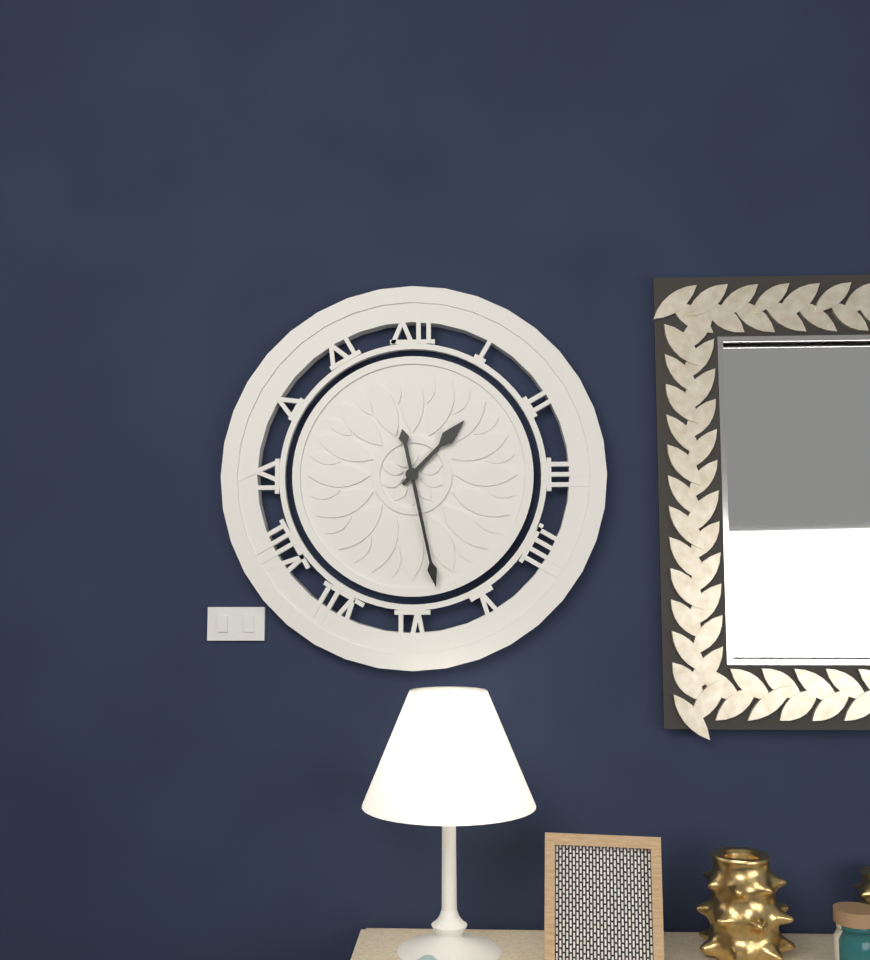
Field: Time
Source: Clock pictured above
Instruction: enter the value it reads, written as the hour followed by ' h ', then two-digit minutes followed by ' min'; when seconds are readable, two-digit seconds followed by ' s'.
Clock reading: 1 h 28 min
